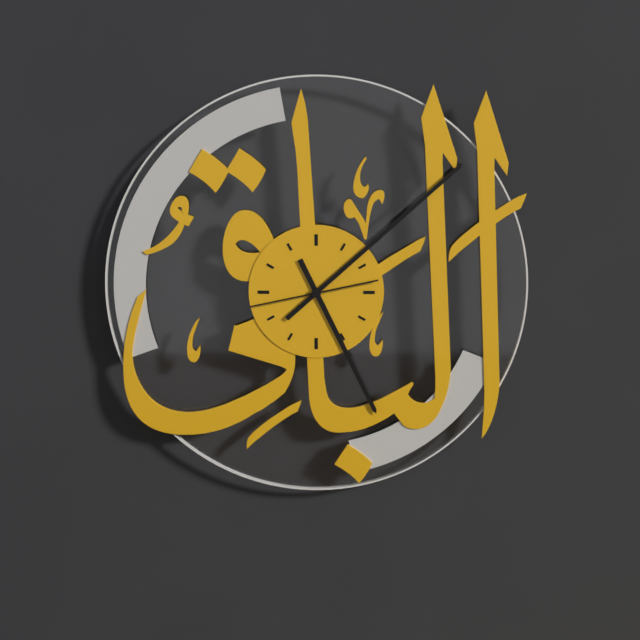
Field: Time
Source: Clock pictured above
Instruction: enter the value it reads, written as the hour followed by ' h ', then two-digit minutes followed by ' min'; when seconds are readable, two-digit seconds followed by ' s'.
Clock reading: 5 h 08 min 43 s
